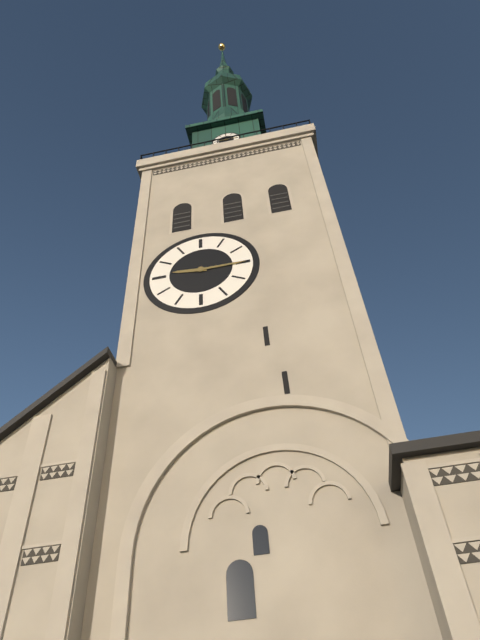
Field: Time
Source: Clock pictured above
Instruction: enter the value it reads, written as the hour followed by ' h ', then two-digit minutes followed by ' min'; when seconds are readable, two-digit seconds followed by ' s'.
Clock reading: 9 h 15 min
